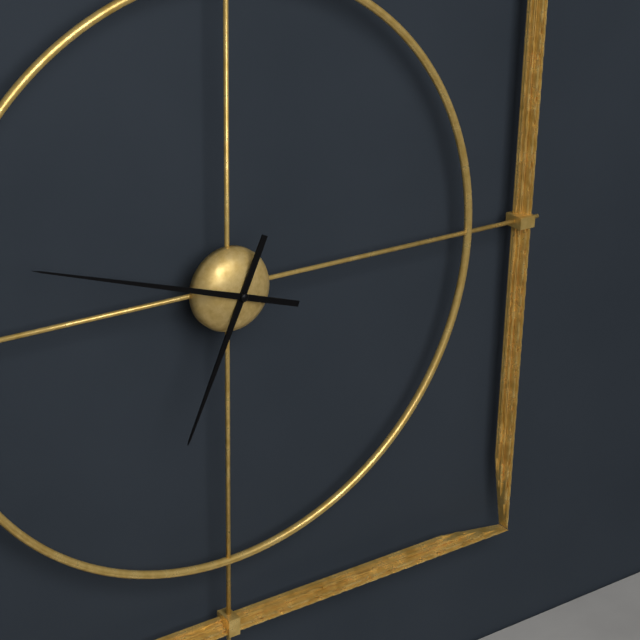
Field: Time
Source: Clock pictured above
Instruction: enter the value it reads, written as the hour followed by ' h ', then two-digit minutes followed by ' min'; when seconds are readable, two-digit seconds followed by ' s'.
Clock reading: 6 h 48 min
